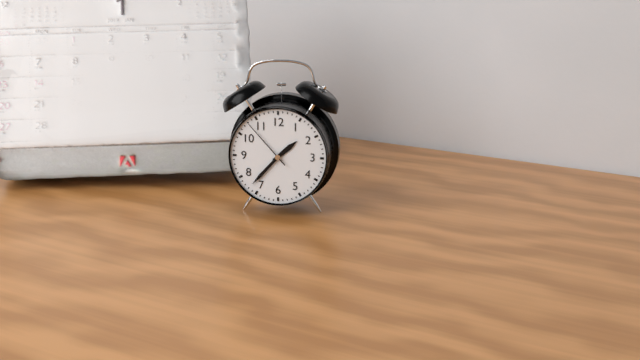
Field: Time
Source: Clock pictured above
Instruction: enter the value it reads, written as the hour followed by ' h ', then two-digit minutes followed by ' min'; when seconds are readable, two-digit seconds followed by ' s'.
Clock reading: 1 h 37 min 53 s
